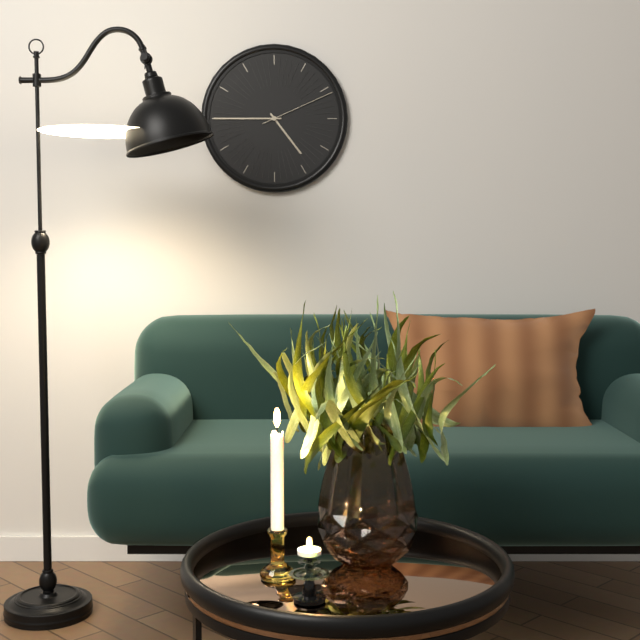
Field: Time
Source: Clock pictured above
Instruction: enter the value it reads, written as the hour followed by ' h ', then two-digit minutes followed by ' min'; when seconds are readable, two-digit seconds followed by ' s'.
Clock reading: 4 h 45 min 11 s
